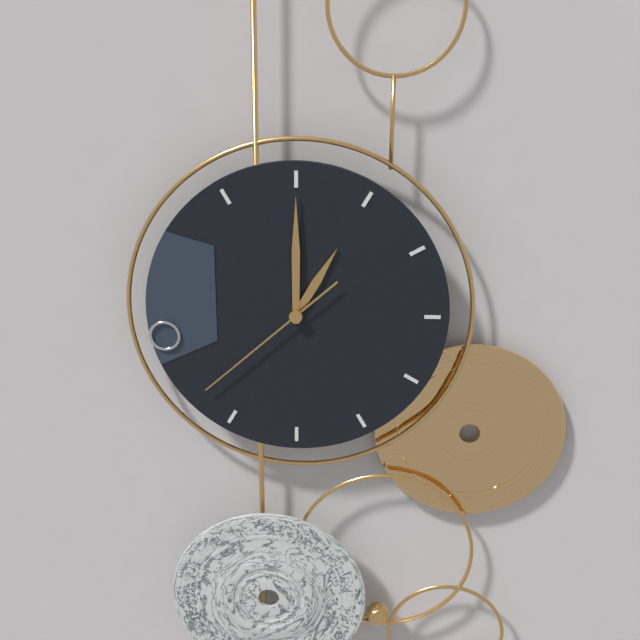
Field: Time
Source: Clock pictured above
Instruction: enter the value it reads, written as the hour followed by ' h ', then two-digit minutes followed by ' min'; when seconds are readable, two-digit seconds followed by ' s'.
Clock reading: 1 h 00 min 38 s
